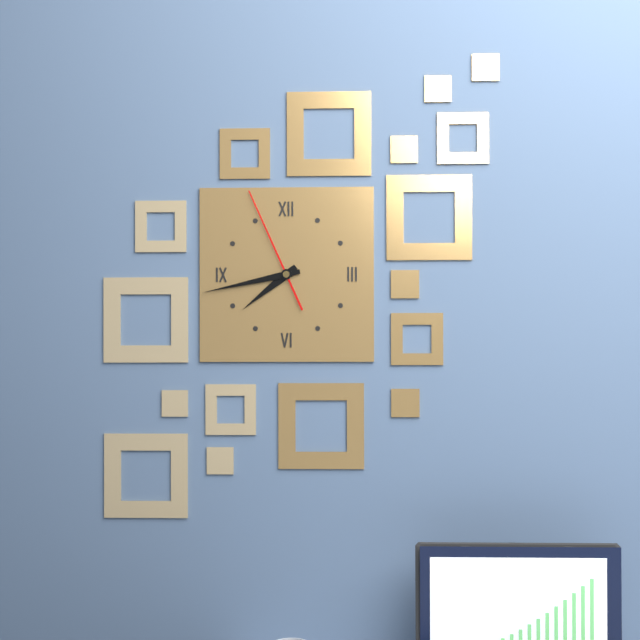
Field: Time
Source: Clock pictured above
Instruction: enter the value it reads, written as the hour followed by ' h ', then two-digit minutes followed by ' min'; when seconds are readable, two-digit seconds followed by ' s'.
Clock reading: 7 h 43 min 56 s
